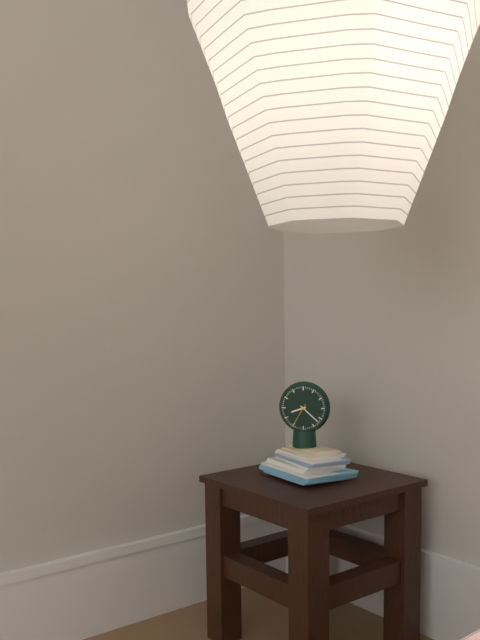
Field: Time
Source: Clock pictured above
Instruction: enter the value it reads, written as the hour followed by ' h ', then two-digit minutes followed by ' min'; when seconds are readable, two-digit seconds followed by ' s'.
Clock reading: 8 h 22 min
